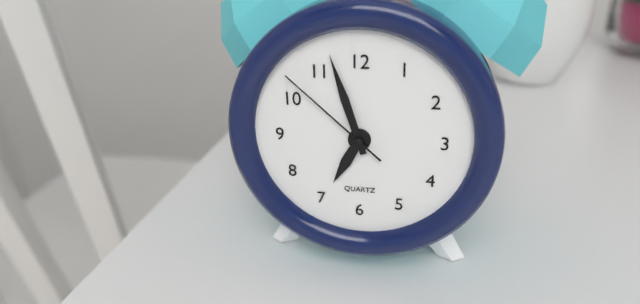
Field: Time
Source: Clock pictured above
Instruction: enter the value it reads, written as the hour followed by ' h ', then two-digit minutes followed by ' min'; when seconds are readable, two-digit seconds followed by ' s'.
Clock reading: 6 h 57 min 52 s
